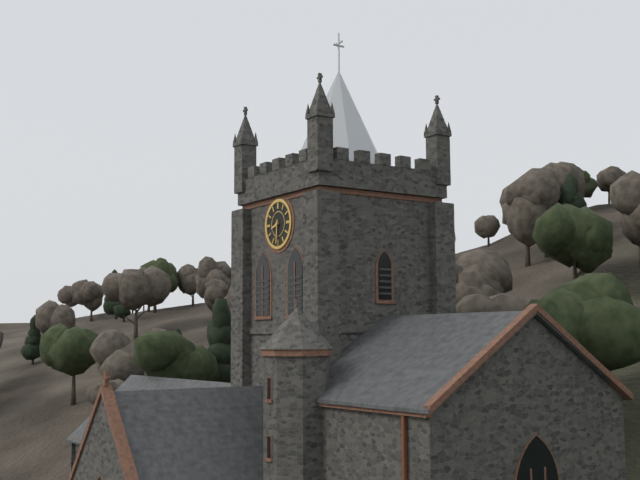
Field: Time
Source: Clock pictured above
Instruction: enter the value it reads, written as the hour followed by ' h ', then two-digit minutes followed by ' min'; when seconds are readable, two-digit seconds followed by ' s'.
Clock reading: 8 h 31 min
